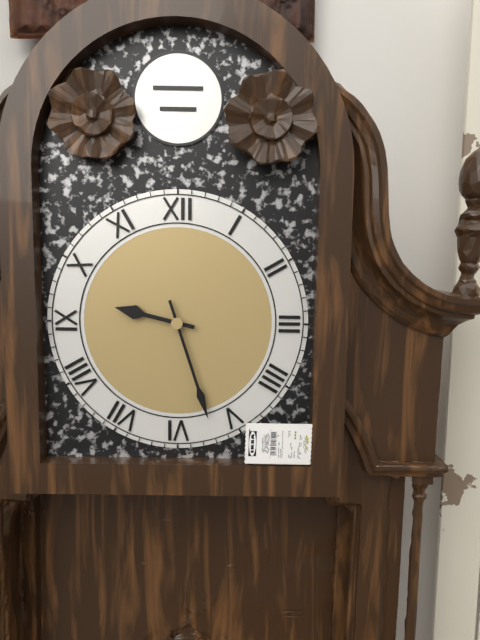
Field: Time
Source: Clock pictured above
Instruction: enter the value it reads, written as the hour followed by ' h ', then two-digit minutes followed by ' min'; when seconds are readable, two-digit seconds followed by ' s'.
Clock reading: 9 h 27 min
